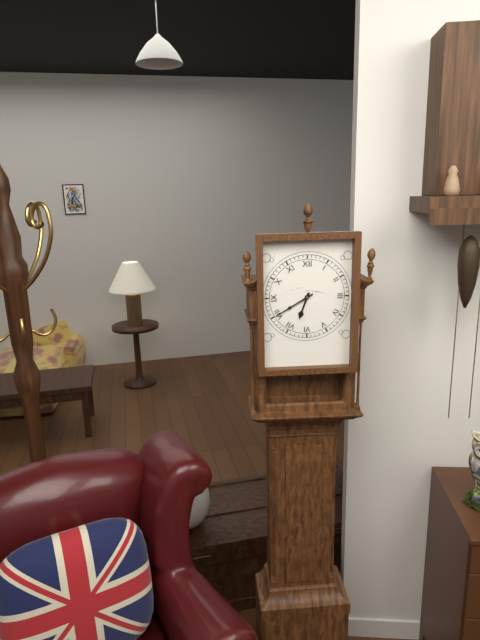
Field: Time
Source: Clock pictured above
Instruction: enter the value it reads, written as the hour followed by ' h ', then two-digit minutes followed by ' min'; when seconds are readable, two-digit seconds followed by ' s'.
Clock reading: 6 h 40 min
